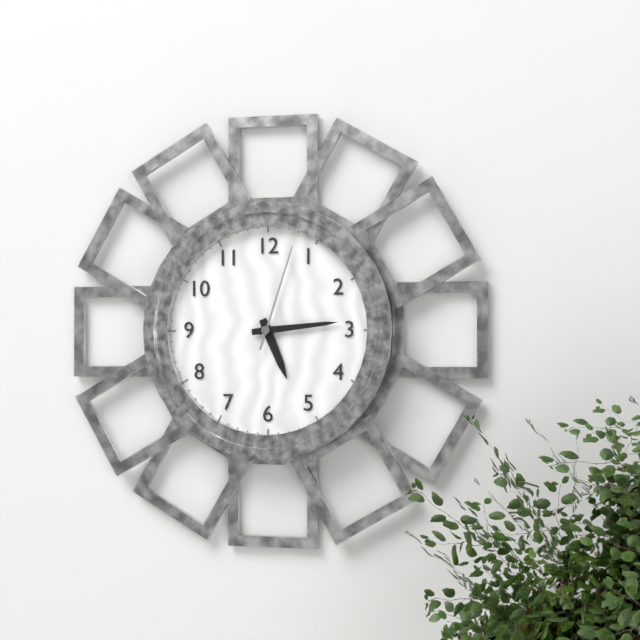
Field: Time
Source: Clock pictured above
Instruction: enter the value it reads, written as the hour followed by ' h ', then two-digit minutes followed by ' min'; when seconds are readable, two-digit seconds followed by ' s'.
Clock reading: 5 h 14 min 03 s
